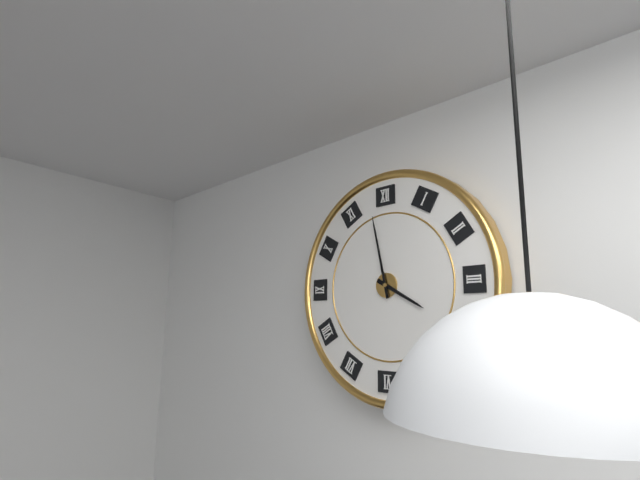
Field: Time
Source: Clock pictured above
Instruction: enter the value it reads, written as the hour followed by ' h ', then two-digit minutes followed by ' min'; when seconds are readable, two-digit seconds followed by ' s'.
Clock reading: 3 h 58 min
